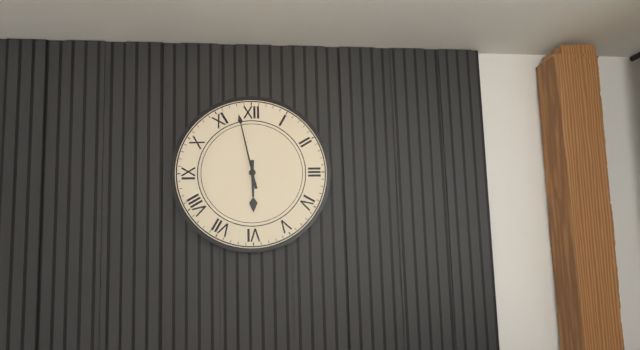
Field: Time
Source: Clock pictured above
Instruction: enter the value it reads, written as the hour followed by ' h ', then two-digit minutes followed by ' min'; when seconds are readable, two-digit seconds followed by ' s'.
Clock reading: 5 h 58 min
